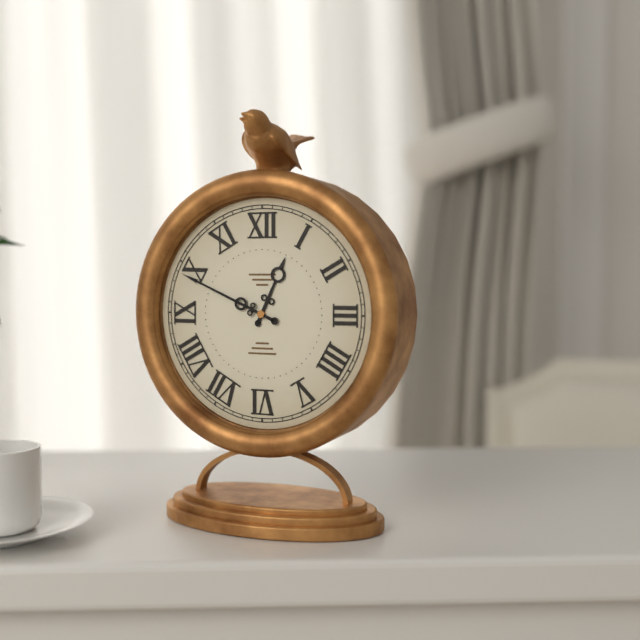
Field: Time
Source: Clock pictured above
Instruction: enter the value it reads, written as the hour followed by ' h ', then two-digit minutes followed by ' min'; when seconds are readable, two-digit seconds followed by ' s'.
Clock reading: 12 h 49 min
